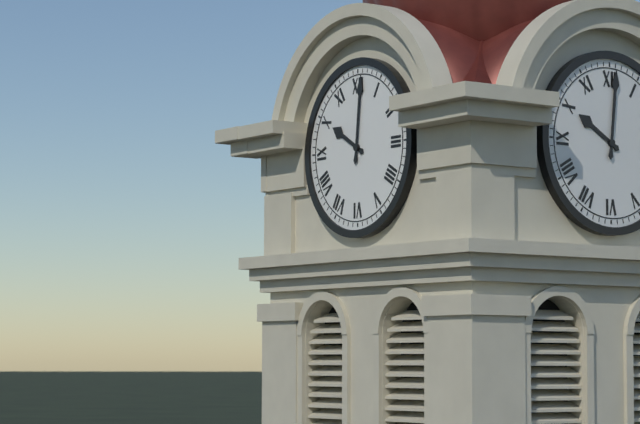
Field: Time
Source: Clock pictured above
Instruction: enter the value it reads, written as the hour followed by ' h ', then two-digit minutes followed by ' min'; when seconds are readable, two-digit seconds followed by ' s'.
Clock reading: 10 h 01 min
